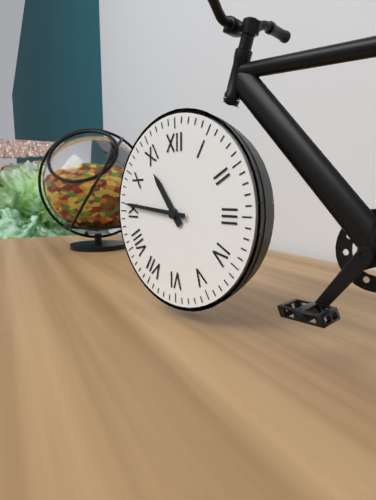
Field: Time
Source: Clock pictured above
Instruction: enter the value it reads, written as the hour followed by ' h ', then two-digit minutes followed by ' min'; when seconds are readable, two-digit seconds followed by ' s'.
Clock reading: 10 h 46 min
